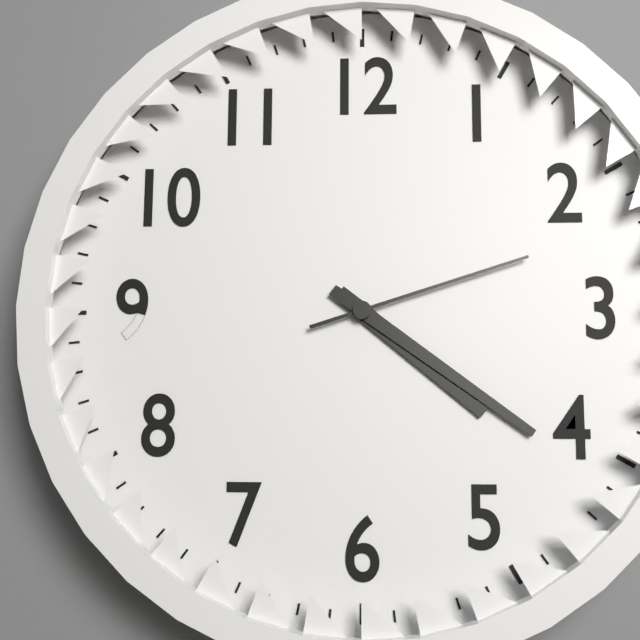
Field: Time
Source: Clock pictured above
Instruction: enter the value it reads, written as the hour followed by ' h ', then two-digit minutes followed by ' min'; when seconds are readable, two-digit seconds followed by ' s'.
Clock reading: 4 h 21 min 12 s
